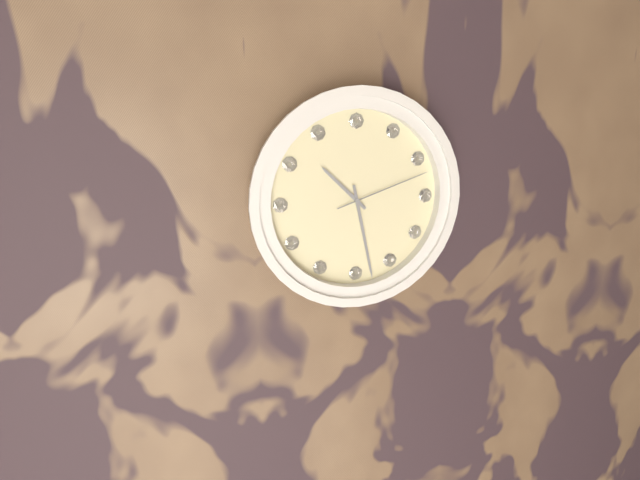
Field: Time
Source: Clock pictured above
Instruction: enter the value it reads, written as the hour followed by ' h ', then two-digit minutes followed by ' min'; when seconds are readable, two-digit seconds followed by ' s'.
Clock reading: 10 h 28 min 12 s
